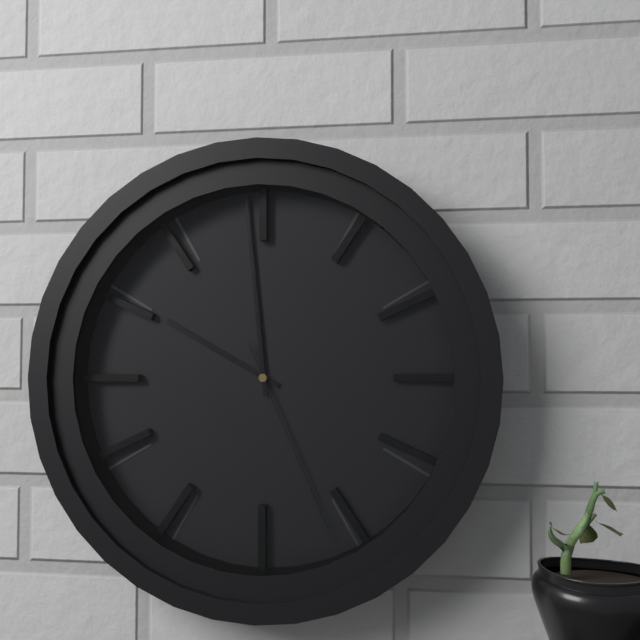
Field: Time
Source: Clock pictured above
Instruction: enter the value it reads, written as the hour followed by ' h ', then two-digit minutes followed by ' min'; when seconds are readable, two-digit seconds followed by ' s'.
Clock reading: 9 h 59 min 26 s
